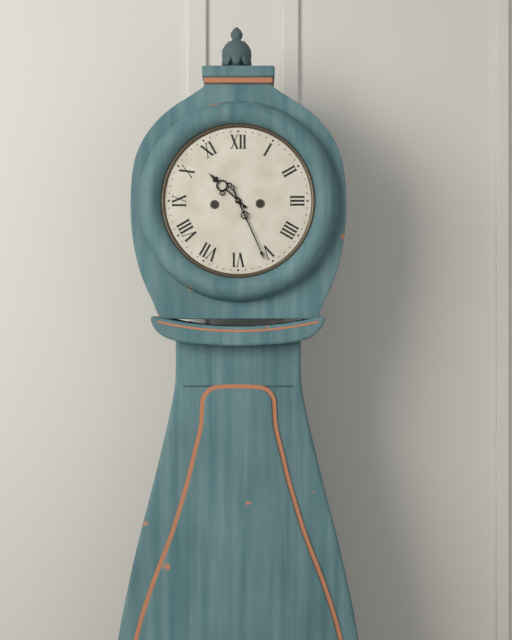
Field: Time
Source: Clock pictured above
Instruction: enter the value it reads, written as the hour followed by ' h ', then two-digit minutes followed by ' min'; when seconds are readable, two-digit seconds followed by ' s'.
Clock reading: 10 h 26 min
